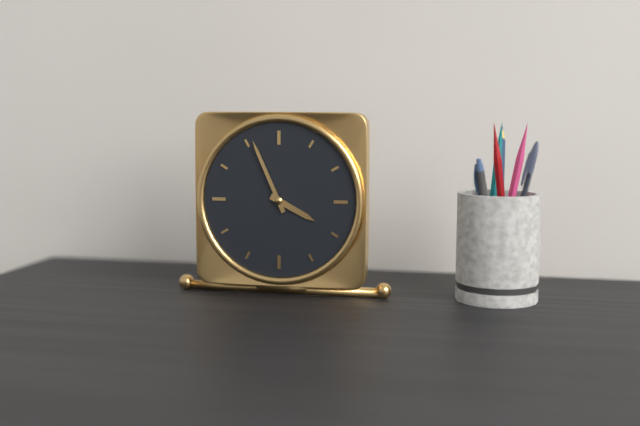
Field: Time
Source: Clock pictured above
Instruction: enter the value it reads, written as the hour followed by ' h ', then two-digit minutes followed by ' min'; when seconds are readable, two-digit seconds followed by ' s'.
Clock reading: 3 h 56 min
